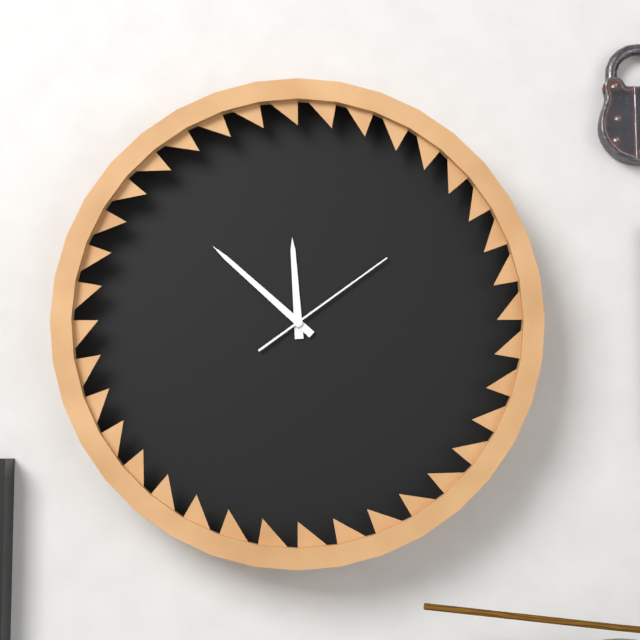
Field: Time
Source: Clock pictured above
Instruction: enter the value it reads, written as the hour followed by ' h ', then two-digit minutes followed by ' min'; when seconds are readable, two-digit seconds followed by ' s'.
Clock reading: 11 h 52 min 09 s
